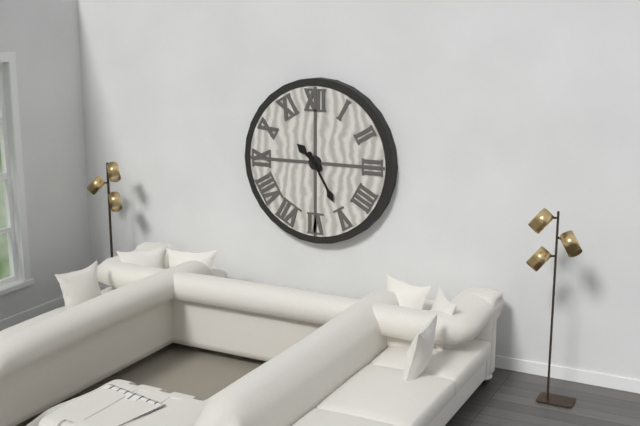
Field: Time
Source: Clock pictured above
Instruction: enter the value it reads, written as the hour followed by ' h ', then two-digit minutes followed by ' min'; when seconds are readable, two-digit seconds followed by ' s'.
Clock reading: 10 h 25 min
